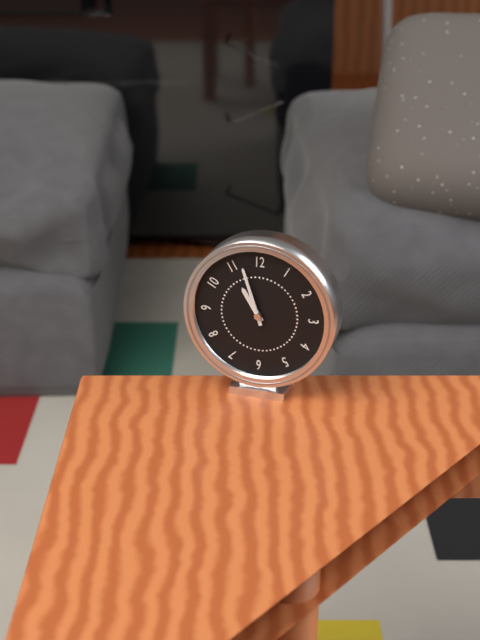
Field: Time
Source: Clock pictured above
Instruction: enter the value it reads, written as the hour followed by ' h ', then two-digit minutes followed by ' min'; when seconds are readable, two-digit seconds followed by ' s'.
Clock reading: 10 h 57 min
